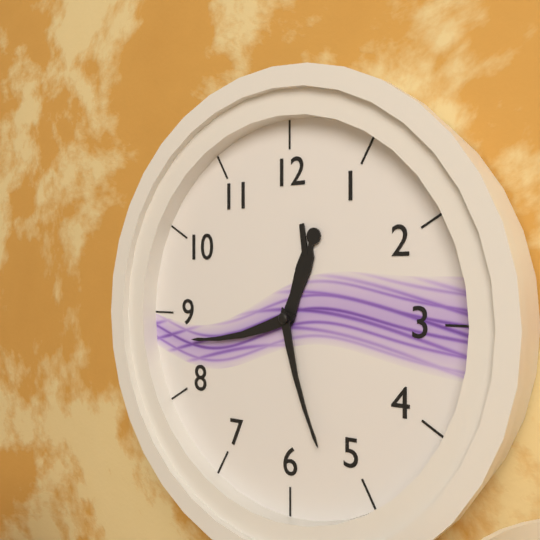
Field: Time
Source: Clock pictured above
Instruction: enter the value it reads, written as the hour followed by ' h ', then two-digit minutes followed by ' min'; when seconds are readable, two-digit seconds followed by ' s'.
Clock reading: 12 h 43 min 27 s
